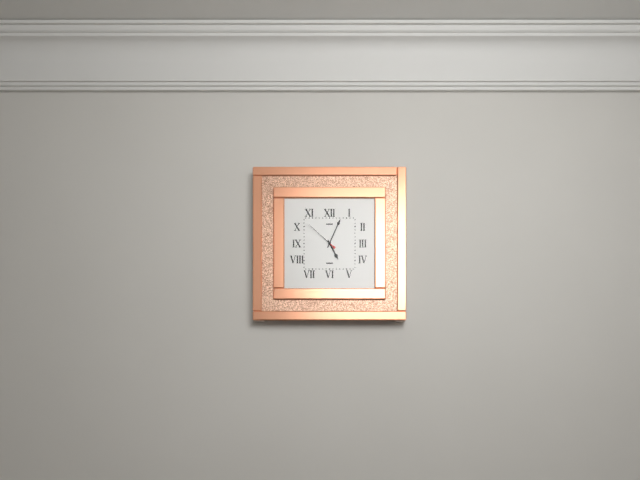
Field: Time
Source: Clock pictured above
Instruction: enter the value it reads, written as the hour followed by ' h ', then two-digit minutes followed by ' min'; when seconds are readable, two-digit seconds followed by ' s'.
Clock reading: 5 h 04 min
